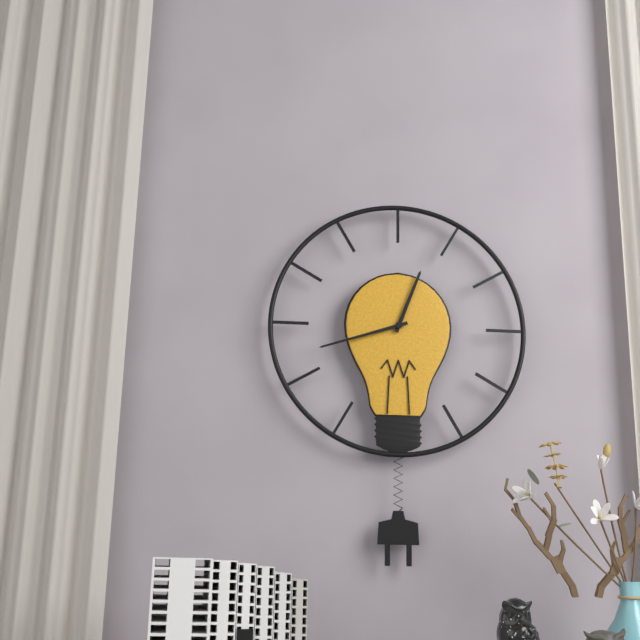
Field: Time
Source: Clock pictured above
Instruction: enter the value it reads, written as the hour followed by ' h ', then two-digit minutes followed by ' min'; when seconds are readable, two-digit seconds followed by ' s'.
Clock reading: 12 h 42 min
